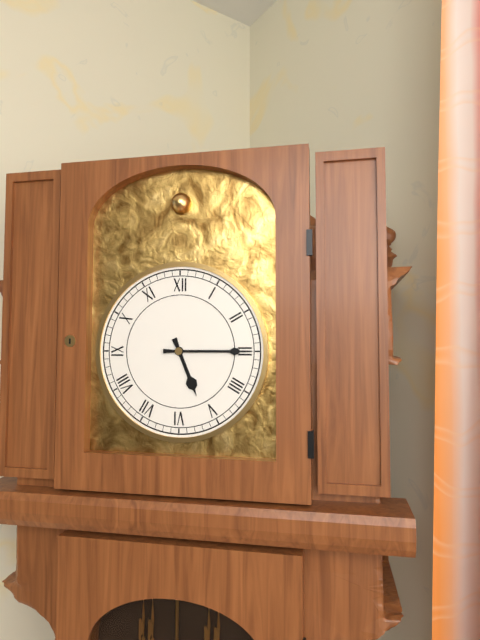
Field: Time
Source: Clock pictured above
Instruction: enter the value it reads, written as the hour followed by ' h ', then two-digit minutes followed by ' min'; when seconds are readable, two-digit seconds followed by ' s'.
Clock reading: 5 h 15 min
